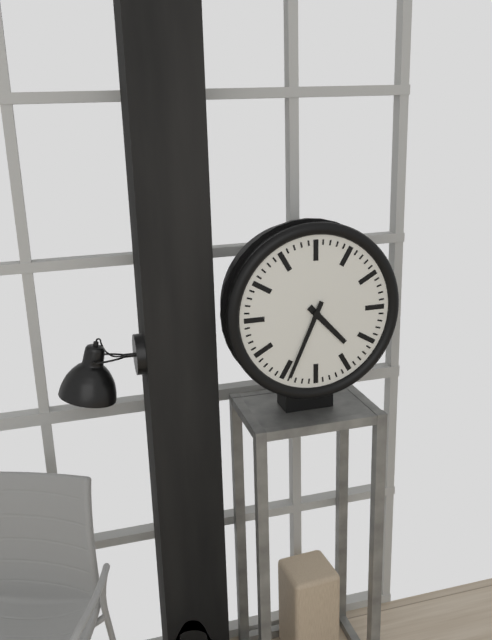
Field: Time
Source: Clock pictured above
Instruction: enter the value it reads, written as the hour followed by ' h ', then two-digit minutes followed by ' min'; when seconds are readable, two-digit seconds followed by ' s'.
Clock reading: 4 h 34 min
